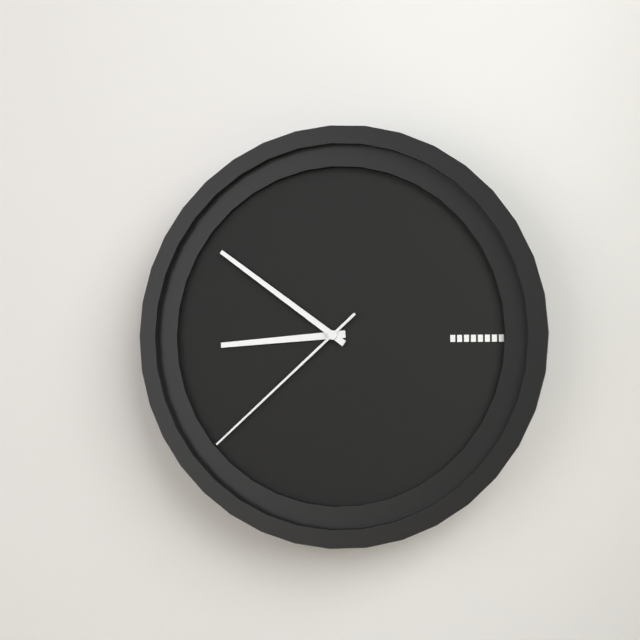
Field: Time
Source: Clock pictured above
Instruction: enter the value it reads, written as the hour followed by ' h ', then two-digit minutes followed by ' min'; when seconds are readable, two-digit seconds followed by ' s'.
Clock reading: 8 h 51 min 38 s
